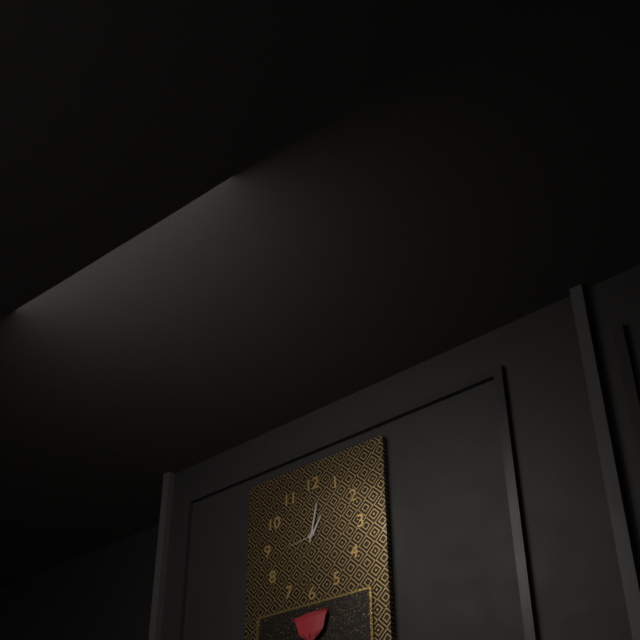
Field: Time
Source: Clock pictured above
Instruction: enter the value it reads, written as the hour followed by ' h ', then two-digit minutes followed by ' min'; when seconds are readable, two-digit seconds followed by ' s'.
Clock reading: 1 h 02 min
